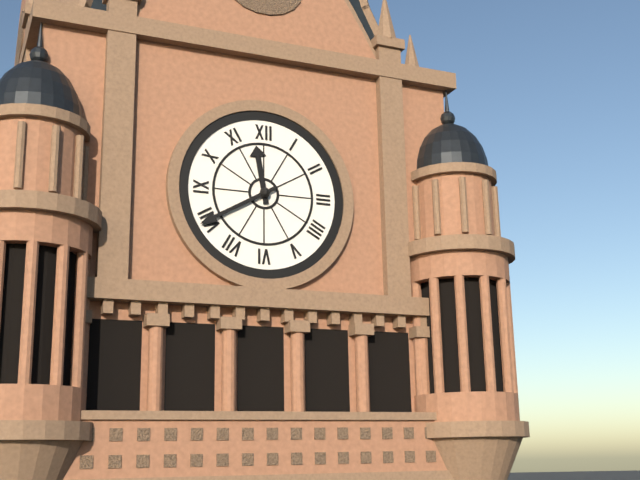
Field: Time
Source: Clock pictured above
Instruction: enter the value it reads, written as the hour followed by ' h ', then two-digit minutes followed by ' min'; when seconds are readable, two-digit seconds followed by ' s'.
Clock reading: 11 h 40 min
